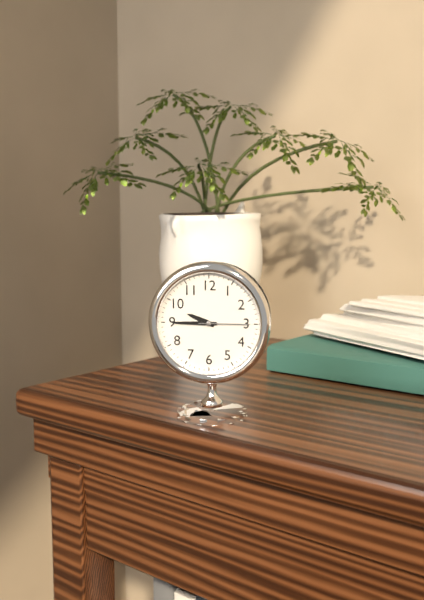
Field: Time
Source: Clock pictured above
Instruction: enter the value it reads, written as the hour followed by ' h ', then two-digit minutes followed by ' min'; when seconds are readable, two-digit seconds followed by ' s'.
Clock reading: 9 h 45 min 15 s
